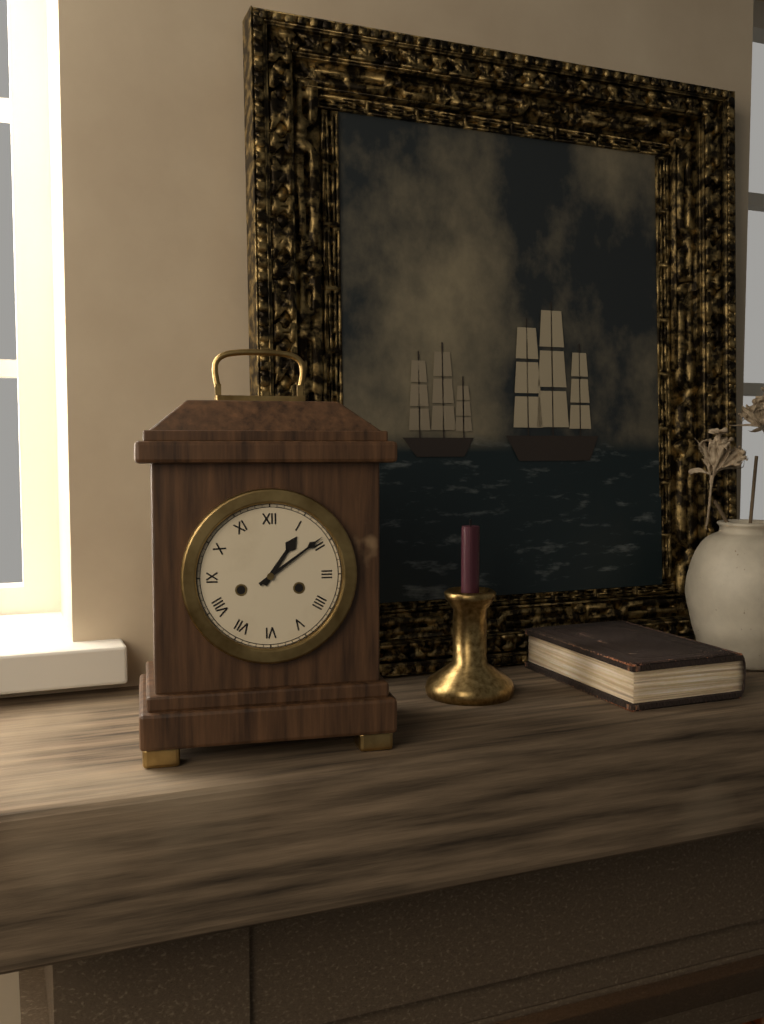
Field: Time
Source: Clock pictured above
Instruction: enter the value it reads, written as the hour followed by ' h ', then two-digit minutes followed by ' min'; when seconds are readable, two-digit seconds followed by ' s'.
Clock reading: 1 h 09 min
